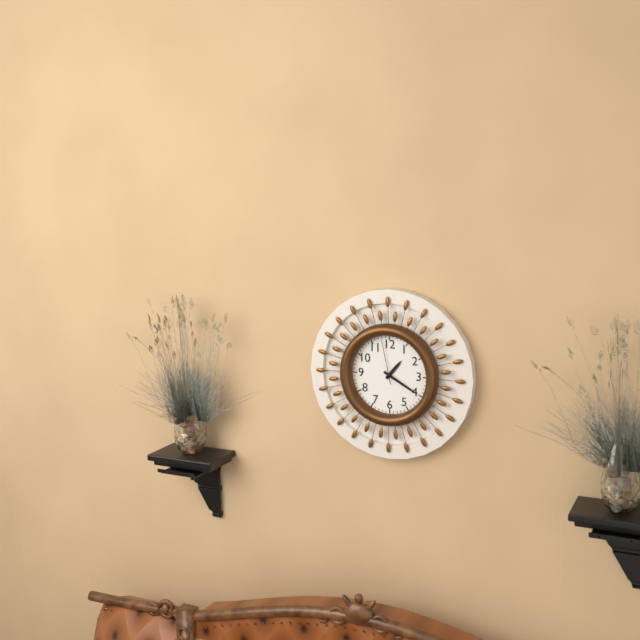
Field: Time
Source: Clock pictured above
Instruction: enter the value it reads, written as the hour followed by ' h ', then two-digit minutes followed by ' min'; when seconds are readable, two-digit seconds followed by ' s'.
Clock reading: 1 h 20 min
